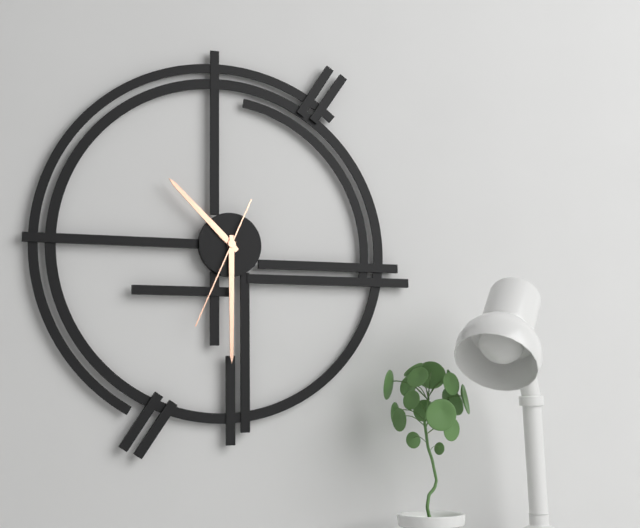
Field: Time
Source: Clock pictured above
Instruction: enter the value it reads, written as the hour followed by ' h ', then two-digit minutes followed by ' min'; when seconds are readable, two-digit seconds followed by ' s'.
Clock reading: 10 h 30 min 34 s
